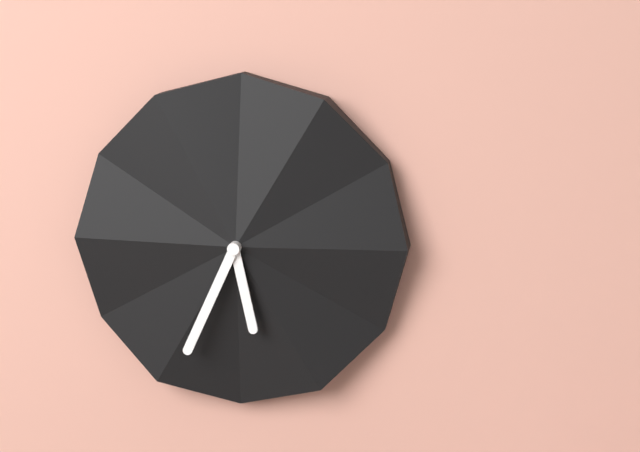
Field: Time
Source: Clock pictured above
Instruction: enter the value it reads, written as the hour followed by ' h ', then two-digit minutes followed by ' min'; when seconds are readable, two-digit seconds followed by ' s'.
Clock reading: 5 h 34 min
